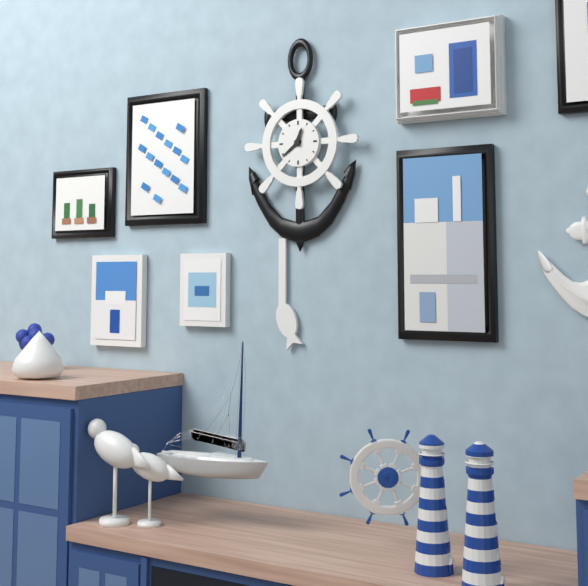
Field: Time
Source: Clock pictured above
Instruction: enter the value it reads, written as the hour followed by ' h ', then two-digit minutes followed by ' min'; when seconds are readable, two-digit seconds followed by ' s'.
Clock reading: 12 h 39 min
